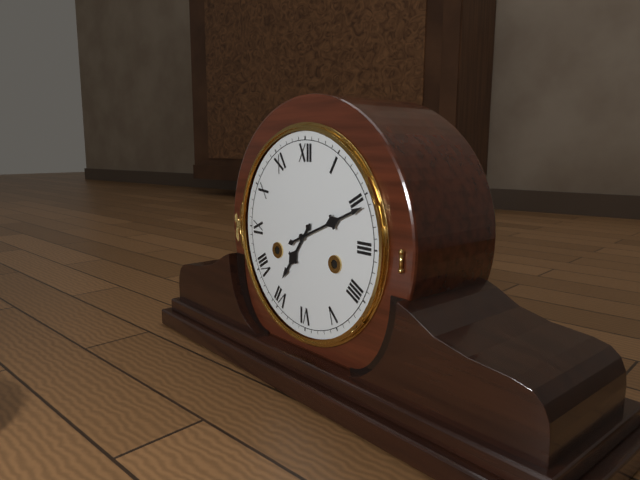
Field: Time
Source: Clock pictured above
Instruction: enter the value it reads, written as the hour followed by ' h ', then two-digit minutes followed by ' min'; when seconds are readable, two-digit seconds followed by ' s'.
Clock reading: 7 h 11 min
